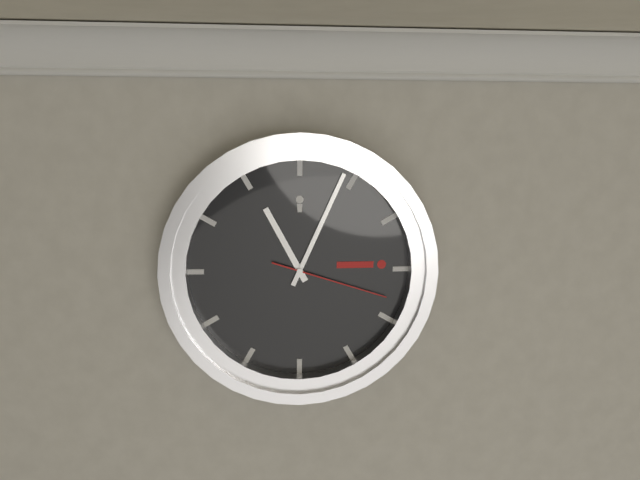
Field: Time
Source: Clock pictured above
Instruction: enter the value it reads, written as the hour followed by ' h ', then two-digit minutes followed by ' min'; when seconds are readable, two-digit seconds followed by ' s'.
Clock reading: 11 h 04 min 18 s
